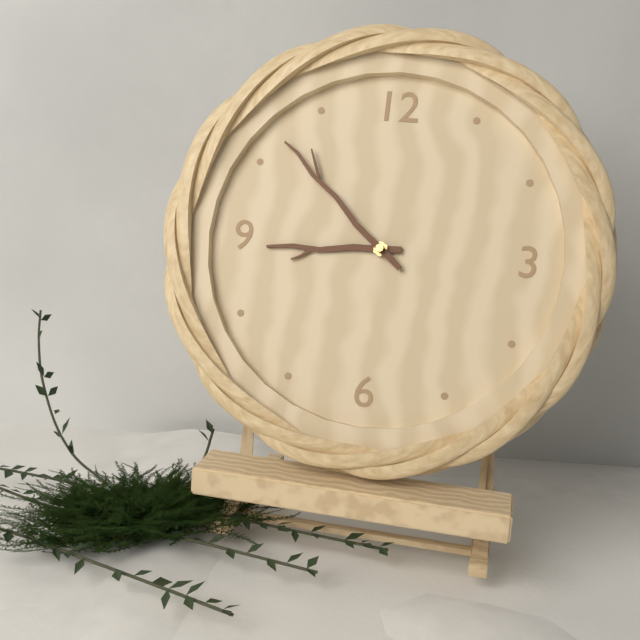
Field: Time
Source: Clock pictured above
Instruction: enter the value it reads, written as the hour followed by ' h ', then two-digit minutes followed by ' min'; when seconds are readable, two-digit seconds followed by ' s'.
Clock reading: 8 h 52 min
